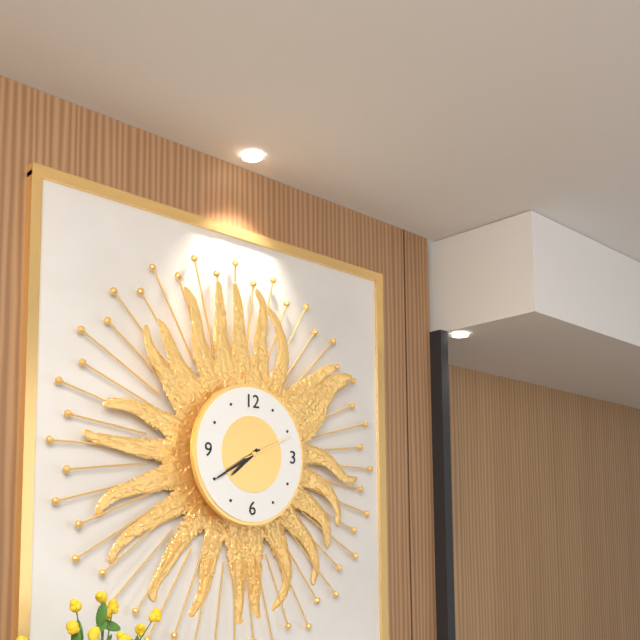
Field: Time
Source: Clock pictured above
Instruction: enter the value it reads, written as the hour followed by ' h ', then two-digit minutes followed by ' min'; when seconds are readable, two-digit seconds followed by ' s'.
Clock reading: 7 h 40 min 11 s
